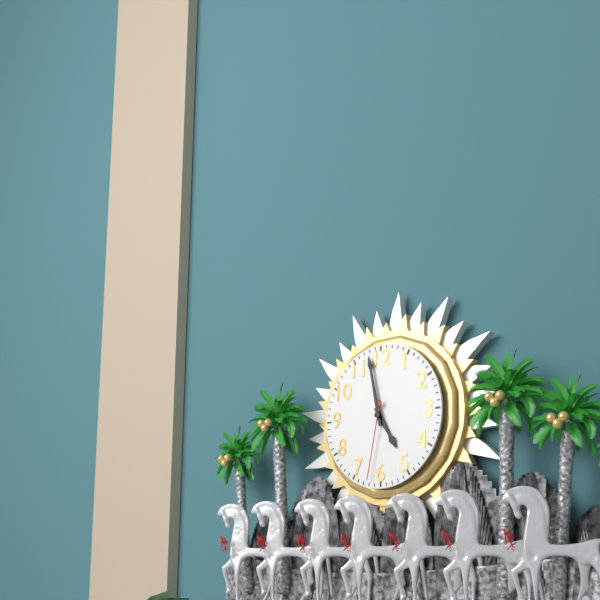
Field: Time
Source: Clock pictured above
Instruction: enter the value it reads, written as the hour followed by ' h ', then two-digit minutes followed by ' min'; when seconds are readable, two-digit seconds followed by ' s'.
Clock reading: 4 h 58 min 32 s
